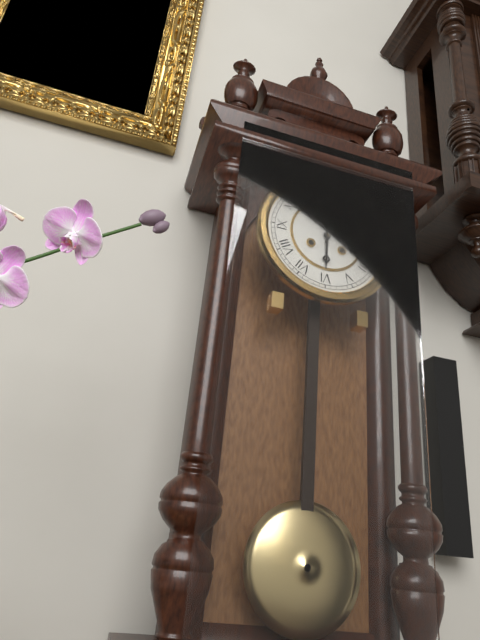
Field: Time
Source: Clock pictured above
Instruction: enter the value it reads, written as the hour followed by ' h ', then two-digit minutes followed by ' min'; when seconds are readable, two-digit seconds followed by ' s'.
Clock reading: 6 h 01 min
